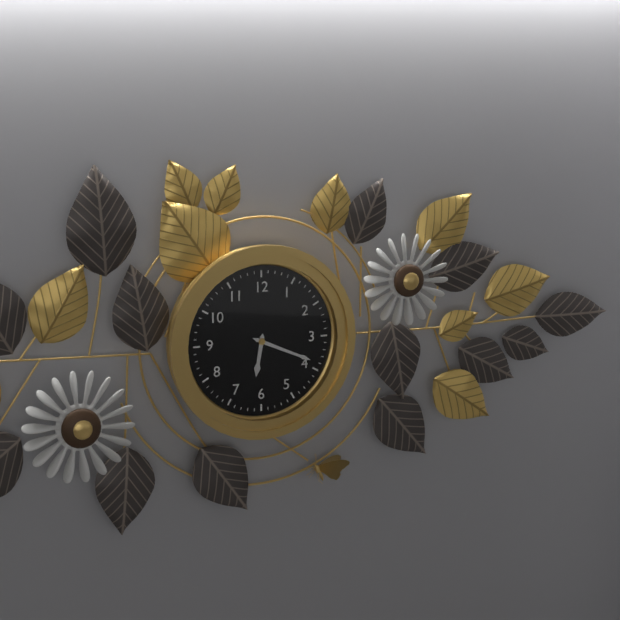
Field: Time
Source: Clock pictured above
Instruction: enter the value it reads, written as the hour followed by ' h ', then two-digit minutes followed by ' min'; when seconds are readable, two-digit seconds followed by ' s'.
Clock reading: 6 h 19 min
